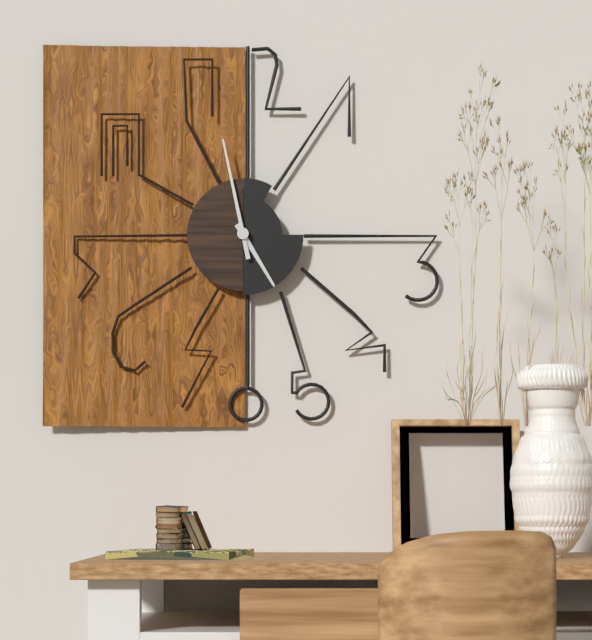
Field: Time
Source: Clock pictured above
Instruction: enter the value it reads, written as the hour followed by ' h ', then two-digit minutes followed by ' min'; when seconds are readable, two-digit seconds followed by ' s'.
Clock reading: 4 h 58 min
